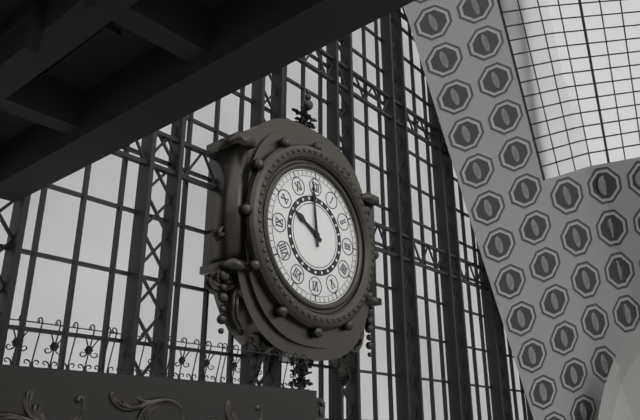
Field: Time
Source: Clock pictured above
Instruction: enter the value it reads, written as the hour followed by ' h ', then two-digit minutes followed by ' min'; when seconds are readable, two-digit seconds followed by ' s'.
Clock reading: 9 h 59 min
